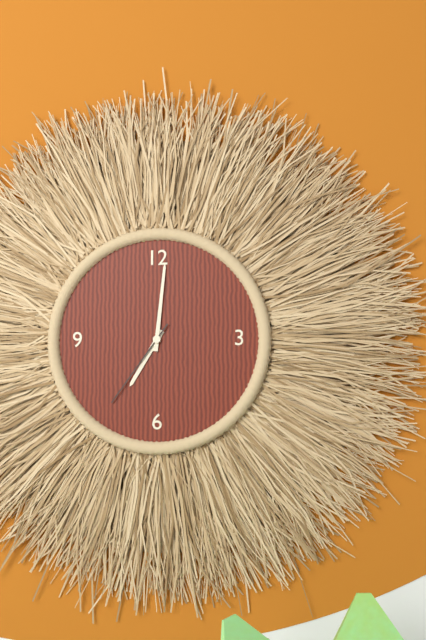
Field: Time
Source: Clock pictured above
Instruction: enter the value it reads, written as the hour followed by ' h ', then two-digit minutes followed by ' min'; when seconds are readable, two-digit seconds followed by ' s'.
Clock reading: 7 h 01 min 36 s
